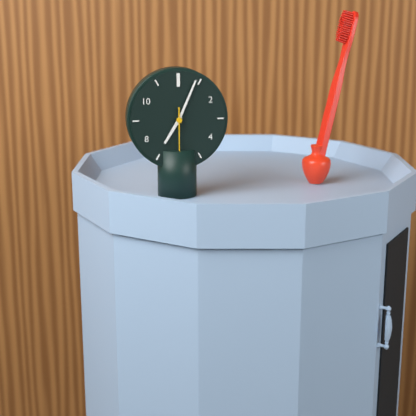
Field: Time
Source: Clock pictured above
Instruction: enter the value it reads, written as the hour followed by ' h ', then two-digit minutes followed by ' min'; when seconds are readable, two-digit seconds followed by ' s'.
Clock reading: 7 h 04 min 30 s
